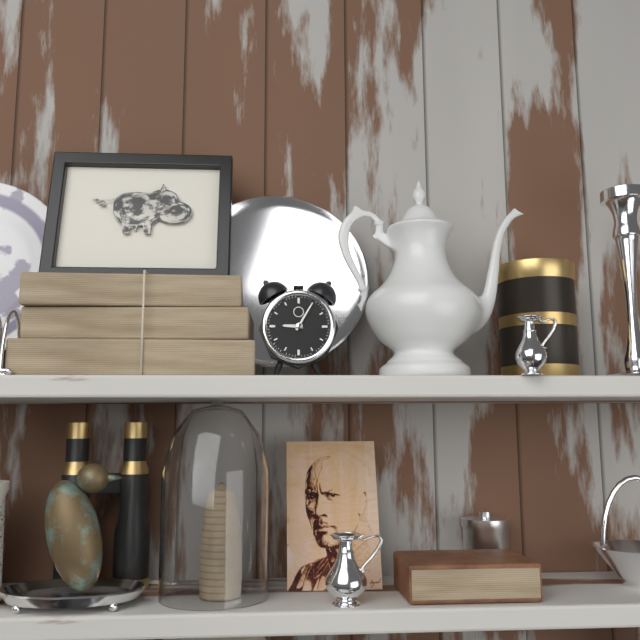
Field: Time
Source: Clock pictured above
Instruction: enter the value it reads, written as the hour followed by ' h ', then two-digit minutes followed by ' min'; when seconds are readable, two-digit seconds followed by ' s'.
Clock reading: 9 h 05 min
